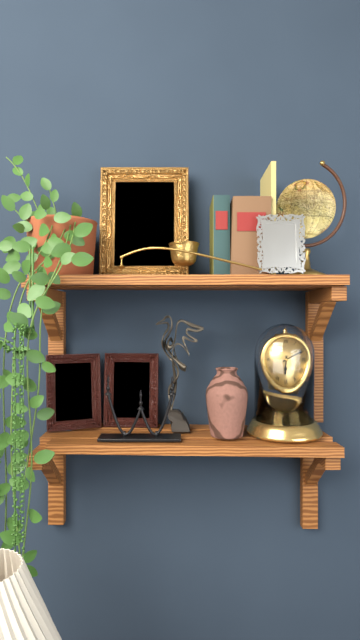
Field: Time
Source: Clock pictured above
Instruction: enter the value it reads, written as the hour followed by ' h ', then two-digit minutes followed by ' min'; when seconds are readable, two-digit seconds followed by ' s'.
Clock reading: 6 h 11 min
